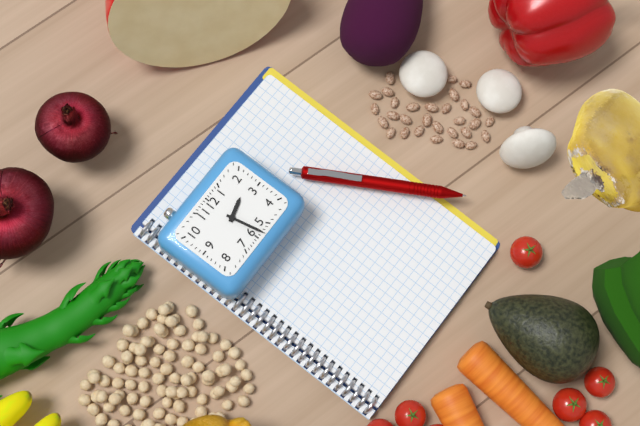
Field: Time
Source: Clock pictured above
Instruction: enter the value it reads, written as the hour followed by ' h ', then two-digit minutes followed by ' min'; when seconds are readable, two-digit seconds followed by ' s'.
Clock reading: 2 h 28 min
